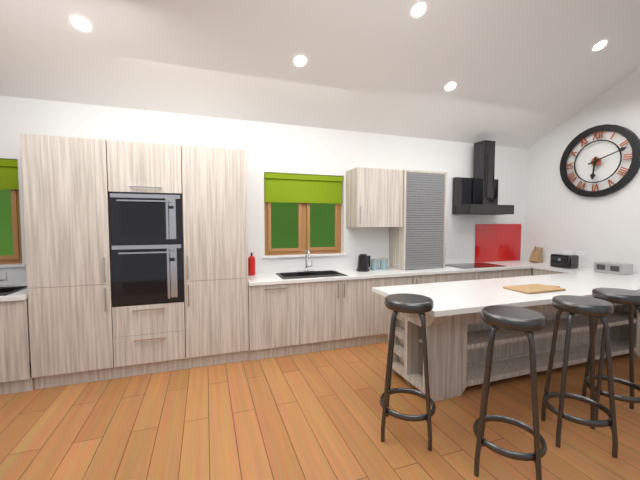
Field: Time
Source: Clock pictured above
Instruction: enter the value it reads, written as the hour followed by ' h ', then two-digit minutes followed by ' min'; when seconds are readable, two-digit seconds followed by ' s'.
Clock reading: 6 h 12 min
